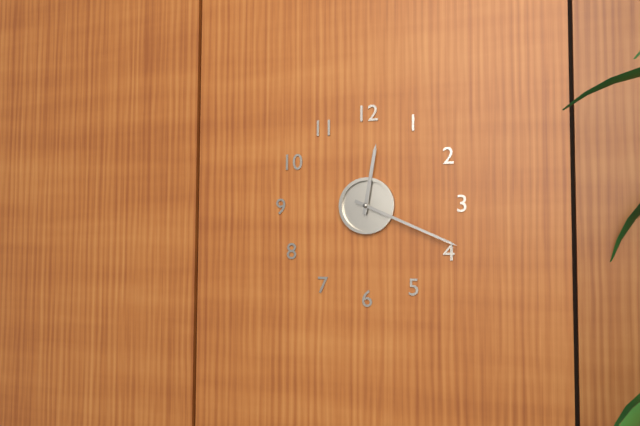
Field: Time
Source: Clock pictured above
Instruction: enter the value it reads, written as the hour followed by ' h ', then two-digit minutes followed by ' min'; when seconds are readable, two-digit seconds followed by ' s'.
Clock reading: 12 h 19 min
